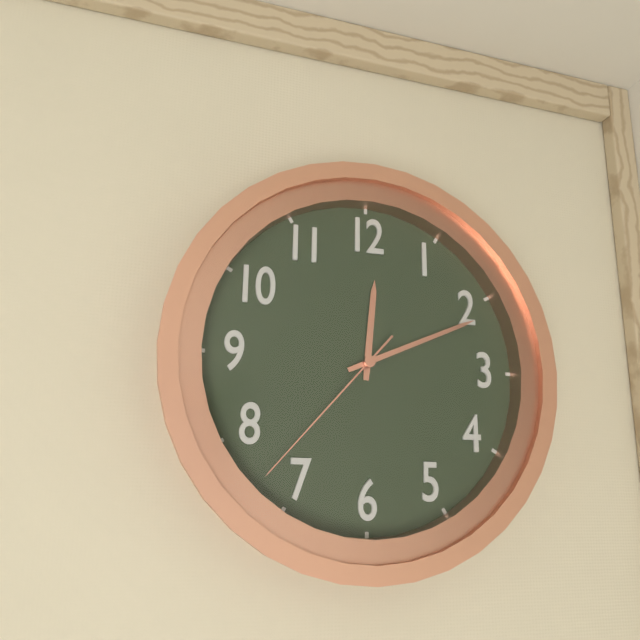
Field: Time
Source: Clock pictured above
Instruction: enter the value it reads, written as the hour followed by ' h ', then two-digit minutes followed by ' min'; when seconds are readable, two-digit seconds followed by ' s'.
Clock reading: 12 h 11 min 37 s
